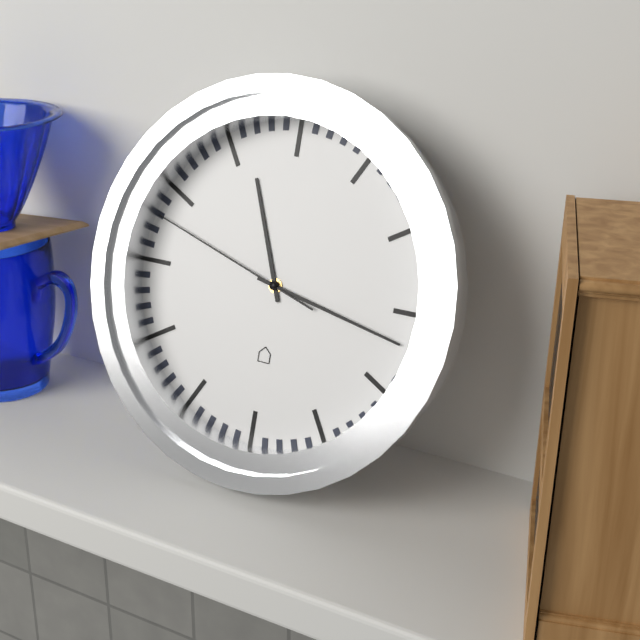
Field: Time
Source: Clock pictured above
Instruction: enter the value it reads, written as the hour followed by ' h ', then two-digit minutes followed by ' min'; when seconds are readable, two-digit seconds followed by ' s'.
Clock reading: 11 h 17 min 48 s
